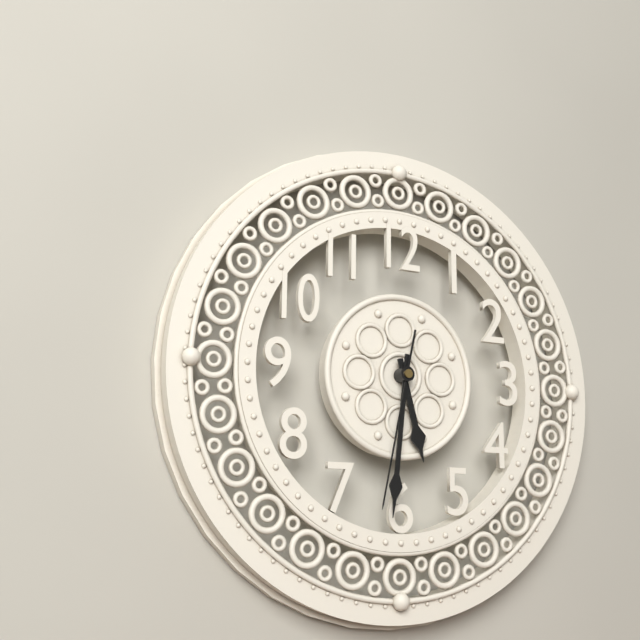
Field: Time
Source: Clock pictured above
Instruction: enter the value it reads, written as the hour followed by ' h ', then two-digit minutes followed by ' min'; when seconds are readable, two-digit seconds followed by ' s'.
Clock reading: 5 h 31 min 32 s
